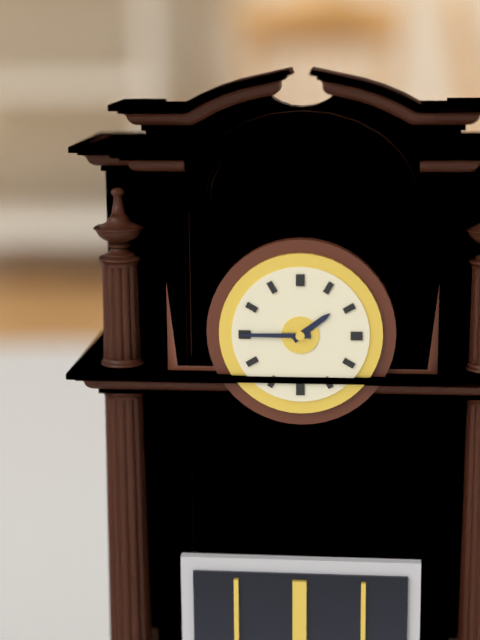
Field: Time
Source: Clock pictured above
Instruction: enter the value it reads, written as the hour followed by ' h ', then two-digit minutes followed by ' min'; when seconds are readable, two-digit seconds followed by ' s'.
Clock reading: 1 h 45 min
